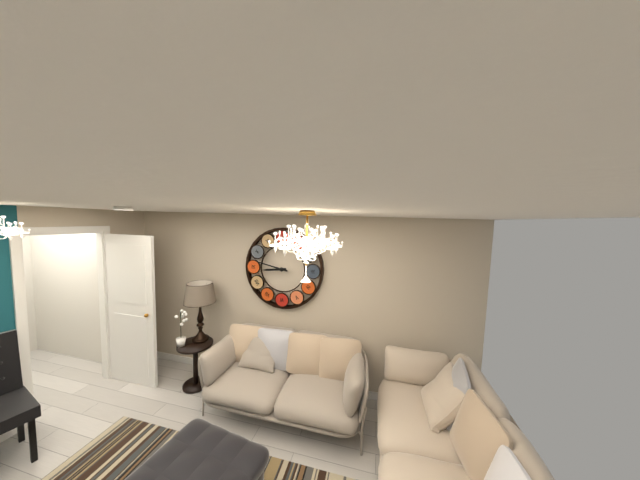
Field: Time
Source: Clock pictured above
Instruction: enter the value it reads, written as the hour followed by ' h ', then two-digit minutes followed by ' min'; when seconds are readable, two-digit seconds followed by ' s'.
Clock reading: 8 h 47 min
